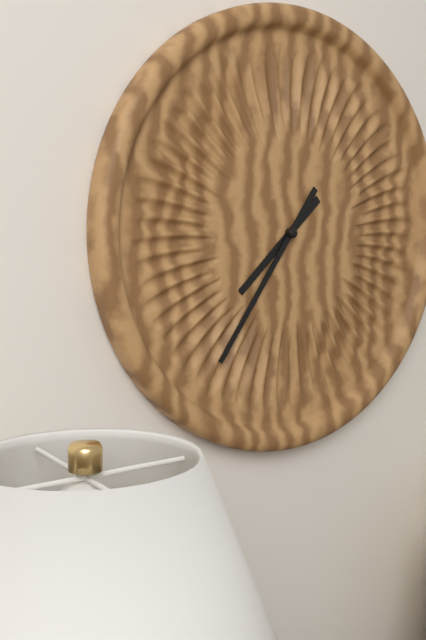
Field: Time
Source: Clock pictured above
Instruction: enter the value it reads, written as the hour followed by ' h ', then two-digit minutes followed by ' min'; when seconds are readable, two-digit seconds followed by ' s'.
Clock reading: 7 h 36 min
